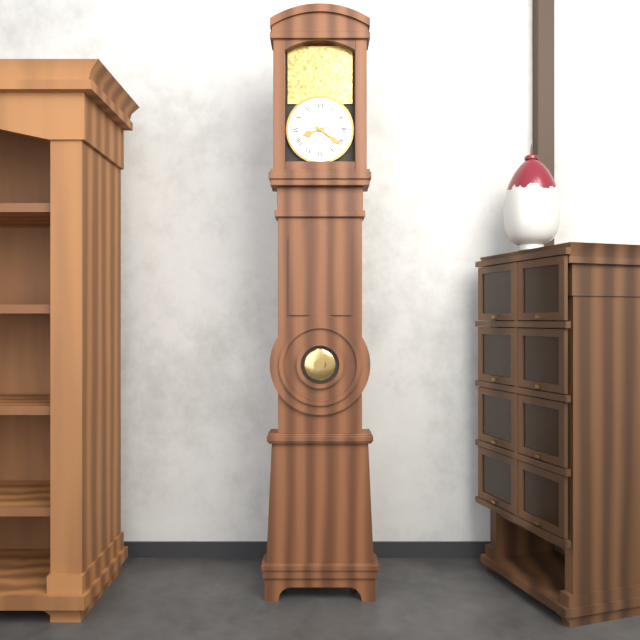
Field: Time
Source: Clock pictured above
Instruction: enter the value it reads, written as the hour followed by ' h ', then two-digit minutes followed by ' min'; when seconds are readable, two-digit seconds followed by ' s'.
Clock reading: 8 h 21 min
